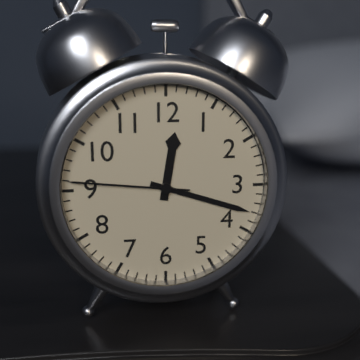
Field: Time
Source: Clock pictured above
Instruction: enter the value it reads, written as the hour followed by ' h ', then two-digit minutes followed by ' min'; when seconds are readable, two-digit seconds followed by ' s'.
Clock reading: 12 h 18 min 46 s
